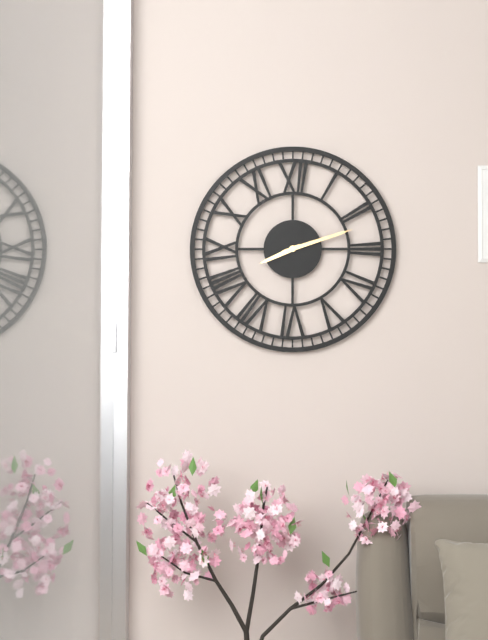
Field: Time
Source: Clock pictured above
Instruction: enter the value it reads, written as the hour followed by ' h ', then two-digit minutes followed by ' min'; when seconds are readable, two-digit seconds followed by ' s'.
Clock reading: 8 h 12 min
